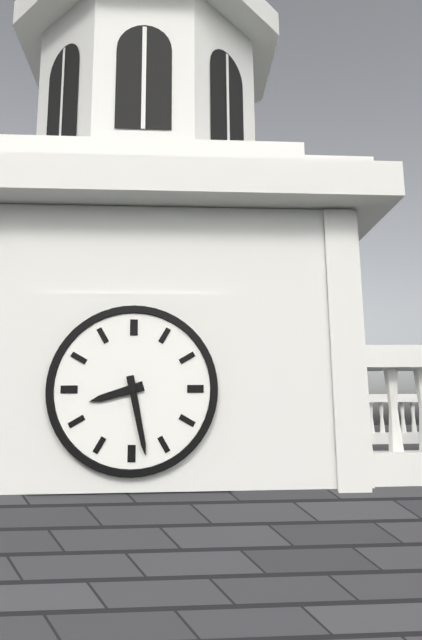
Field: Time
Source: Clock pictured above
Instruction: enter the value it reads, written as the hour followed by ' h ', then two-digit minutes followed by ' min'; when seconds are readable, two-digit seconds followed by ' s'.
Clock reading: 8 h 28 min
